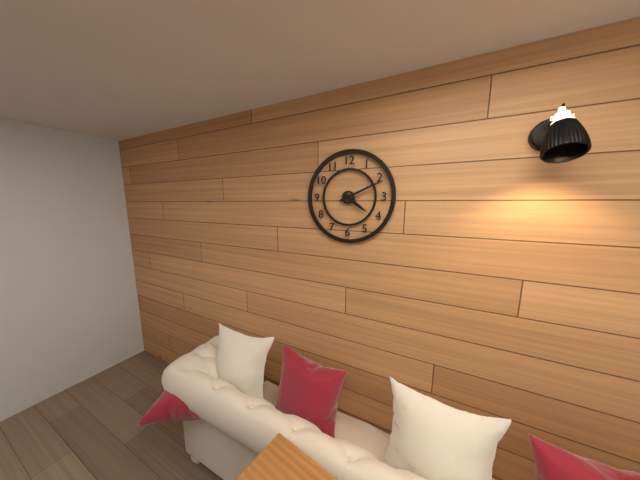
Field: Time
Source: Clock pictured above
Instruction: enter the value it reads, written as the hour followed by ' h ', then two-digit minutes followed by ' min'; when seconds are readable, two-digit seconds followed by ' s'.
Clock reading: 4 h 11 min
